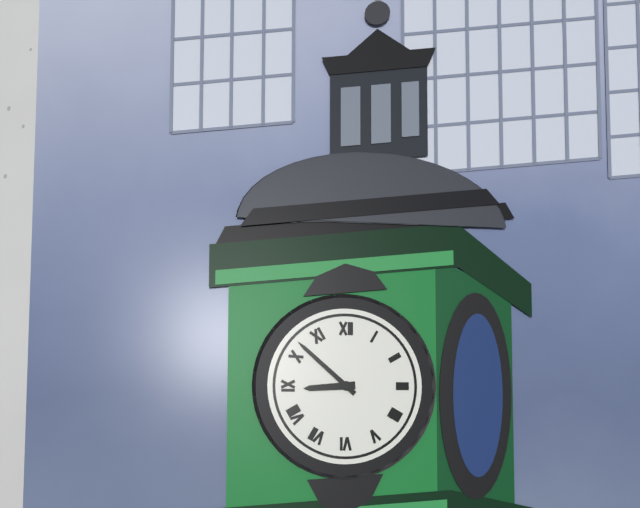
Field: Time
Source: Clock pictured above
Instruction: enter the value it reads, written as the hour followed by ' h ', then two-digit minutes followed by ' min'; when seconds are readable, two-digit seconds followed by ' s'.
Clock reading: 8 h 52 min
